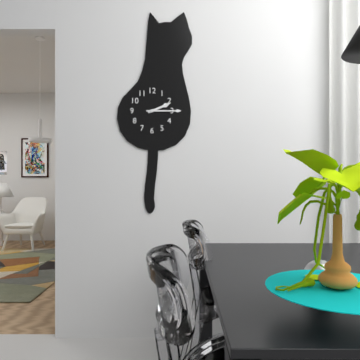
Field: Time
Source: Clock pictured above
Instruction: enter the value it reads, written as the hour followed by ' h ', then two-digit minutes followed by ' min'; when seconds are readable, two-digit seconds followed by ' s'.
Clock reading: 2 h 15 min
